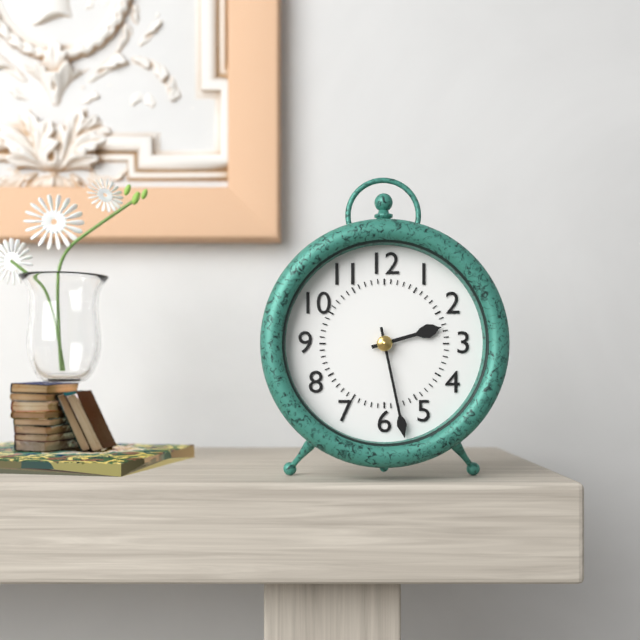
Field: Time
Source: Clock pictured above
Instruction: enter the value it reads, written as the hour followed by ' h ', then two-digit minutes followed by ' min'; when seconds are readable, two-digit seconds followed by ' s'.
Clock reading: 2 h 28 min
